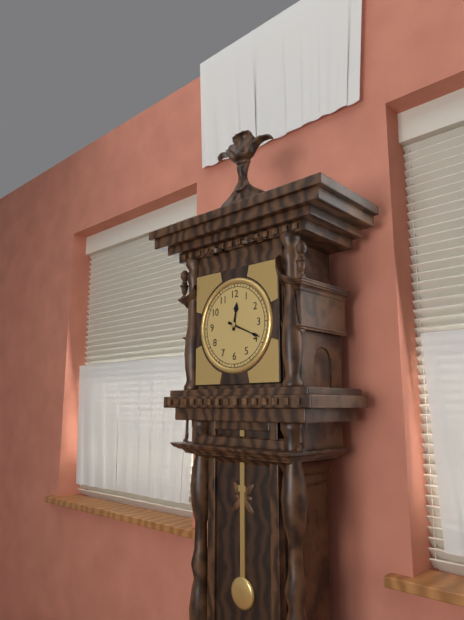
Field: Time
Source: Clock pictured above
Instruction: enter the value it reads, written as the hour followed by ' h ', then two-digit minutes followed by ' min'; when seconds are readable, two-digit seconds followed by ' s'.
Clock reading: 12 h 19 min
